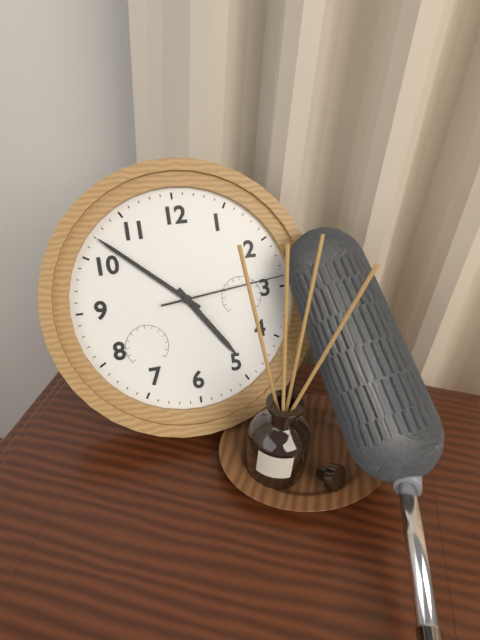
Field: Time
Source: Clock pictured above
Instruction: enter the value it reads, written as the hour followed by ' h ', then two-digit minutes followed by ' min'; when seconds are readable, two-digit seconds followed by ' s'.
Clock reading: 4 h 52 min 14 s
